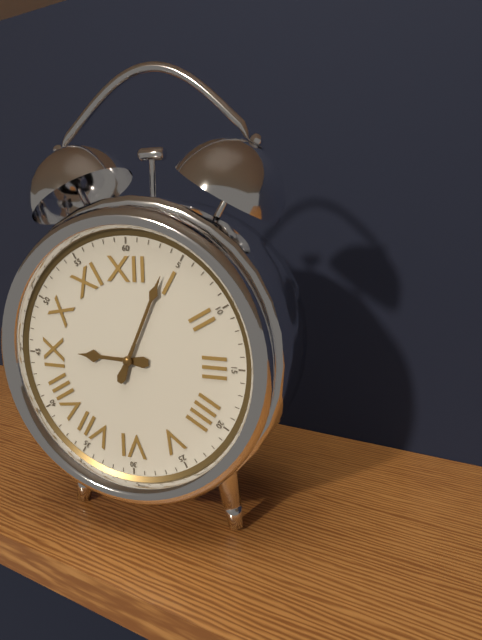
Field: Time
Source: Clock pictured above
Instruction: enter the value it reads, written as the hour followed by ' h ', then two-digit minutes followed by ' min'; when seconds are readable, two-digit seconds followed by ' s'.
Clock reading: 9 h 04 min
